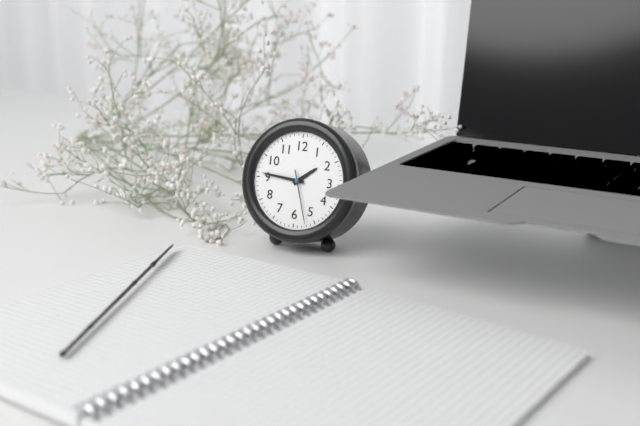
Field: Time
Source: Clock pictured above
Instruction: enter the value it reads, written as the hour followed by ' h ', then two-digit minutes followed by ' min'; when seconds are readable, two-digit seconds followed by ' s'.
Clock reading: 1 h 46 min 27 s
